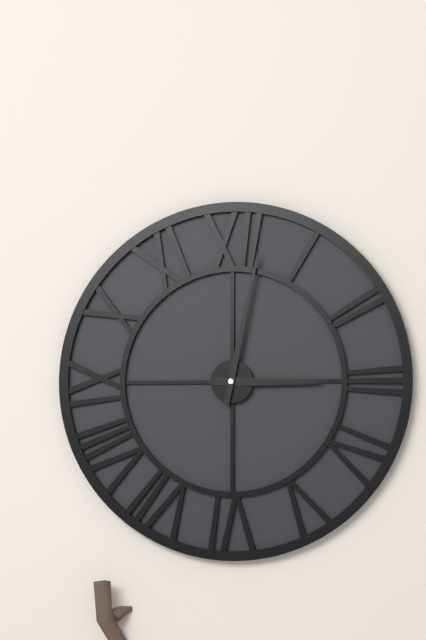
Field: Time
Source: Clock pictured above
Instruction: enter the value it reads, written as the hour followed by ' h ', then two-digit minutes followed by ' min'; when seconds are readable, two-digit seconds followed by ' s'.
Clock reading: 3 h 02 min
